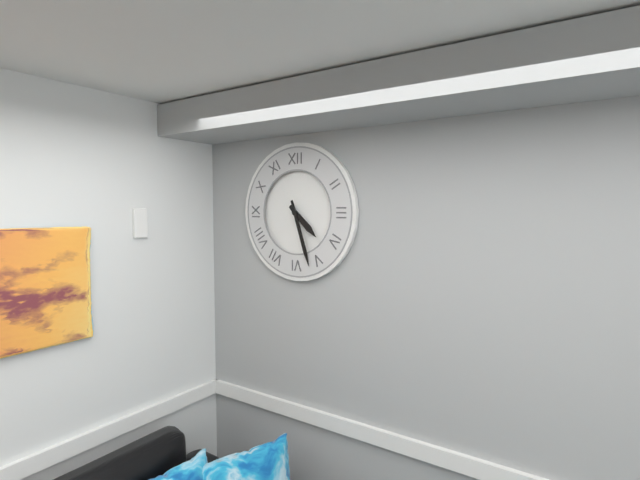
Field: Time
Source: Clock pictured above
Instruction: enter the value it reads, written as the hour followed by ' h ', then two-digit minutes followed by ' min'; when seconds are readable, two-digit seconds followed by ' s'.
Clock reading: 4 h 27 min
